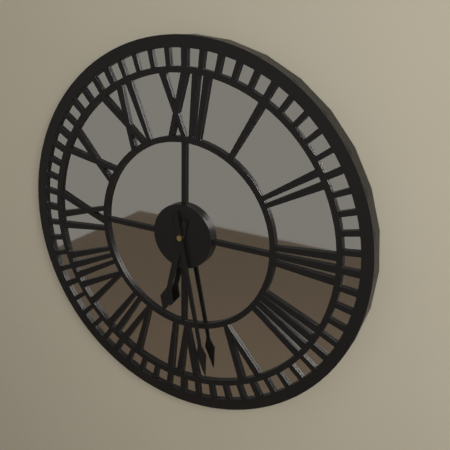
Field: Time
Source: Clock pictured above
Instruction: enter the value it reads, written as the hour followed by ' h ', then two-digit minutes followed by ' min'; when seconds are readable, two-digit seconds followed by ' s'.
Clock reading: 6 h 28 min
